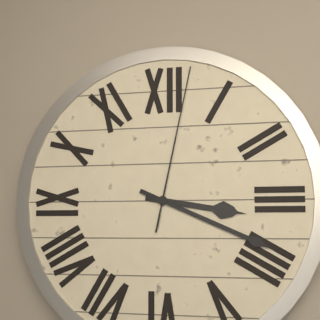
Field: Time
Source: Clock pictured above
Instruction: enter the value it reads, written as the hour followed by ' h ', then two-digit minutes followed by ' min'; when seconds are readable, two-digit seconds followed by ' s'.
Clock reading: 3 h 19 min 02 s
